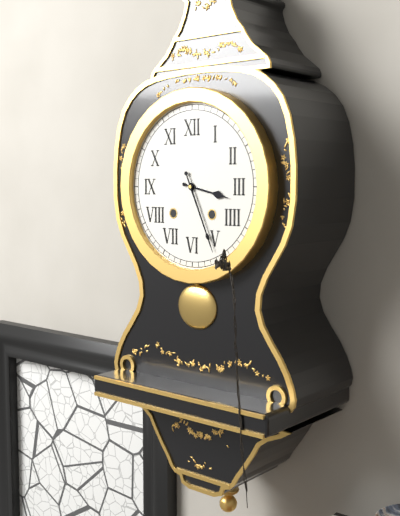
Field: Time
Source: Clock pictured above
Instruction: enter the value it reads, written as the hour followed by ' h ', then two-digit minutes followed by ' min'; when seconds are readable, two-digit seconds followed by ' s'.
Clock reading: 3 h 26 min
